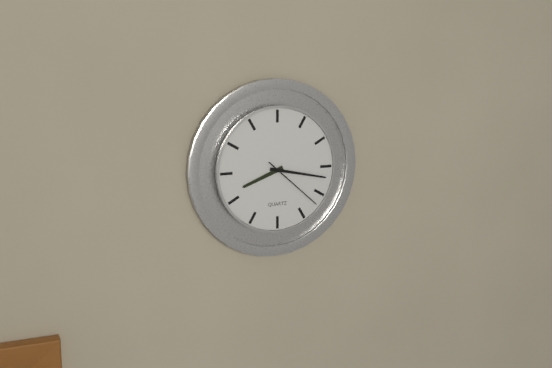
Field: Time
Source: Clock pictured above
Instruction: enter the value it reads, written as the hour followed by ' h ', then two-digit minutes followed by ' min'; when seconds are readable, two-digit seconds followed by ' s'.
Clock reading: 8 h 17 min 22 s
